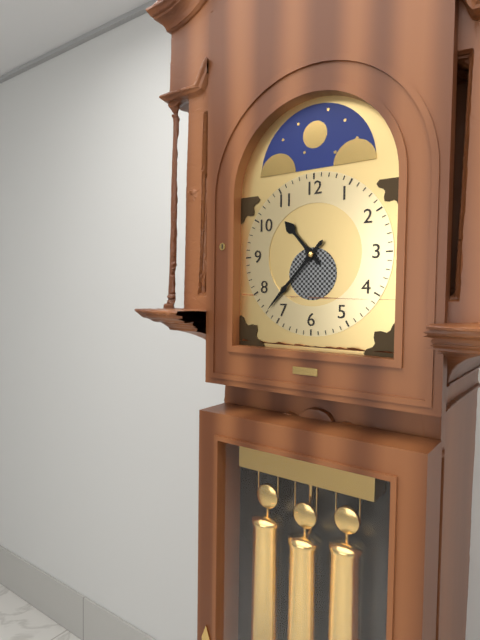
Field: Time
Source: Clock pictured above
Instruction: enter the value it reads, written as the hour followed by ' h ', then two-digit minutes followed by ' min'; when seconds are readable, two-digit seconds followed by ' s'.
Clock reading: 10 h 37 min
